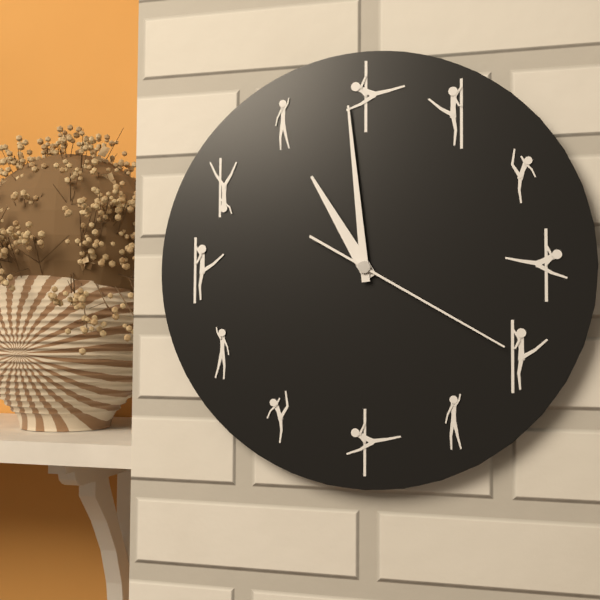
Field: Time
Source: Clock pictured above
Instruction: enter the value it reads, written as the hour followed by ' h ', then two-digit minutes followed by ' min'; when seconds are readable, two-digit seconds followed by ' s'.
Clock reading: 10 h 59 min 20 s
